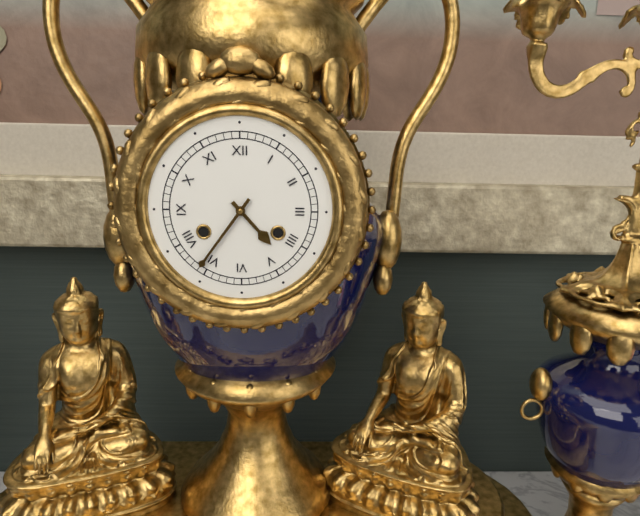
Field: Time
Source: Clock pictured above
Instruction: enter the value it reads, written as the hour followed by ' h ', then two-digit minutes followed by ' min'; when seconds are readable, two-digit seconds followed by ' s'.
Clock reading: 4 h 36 min
